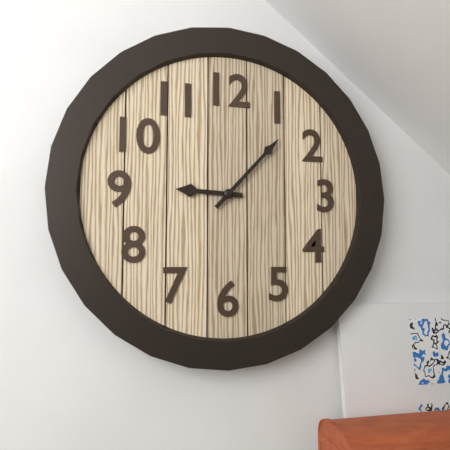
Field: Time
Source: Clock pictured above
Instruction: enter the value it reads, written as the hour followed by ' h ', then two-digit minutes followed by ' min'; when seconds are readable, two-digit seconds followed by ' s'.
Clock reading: 9 h 07 min
